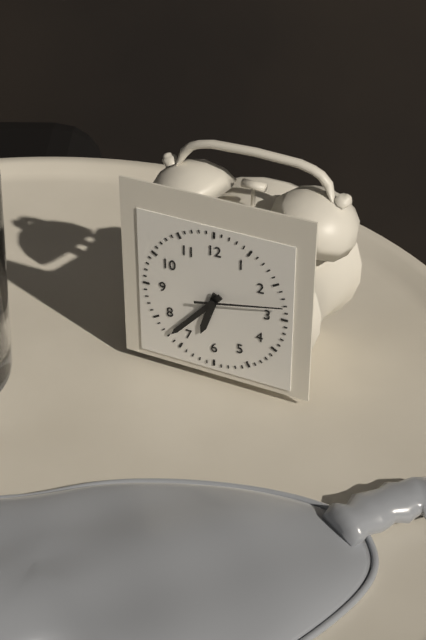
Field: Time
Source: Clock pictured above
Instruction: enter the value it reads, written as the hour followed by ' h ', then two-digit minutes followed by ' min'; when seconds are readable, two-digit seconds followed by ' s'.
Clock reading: 6 h 37 min 13 s
